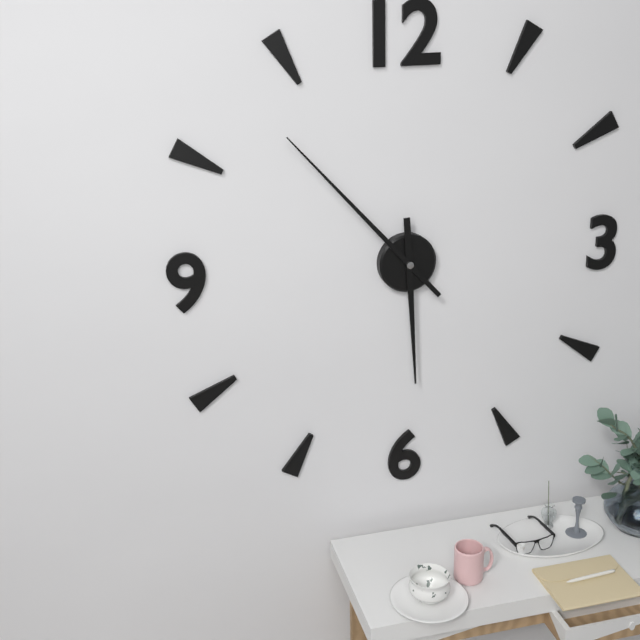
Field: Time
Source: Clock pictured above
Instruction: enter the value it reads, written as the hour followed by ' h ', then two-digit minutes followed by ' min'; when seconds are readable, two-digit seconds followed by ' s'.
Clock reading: 5 h 53 min
